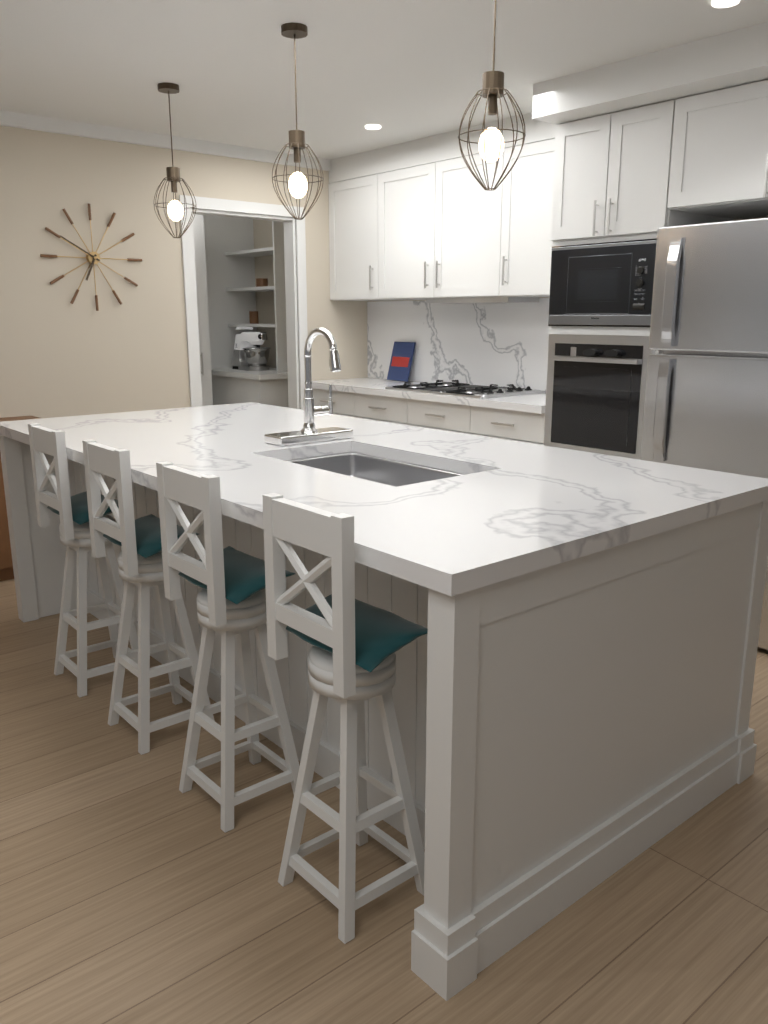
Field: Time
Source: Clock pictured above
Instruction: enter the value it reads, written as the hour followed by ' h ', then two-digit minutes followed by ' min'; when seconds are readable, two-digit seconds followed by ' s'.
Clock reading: 6 h 50 min
